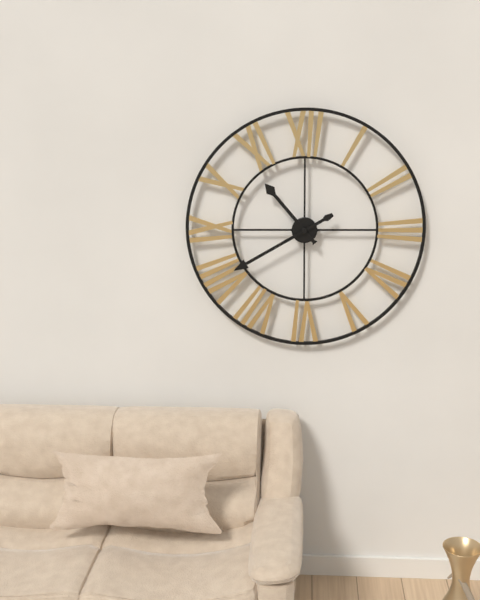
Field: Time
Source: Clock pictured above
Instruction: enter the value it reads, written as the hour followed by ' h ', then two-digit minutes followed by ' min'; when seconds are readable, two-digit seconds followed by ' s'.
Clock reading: 10 h 40 min
